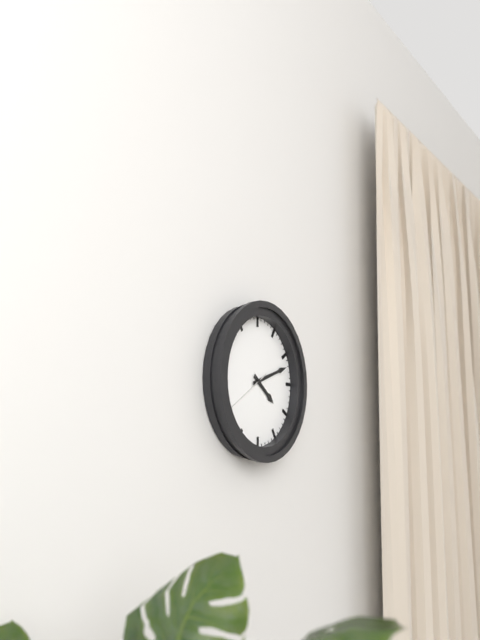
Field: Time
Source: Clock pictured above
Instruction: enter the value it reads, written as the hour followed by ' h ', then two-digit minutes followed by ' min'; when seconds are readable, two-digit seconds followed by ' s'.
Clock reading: 4 h 12 min 40 s
